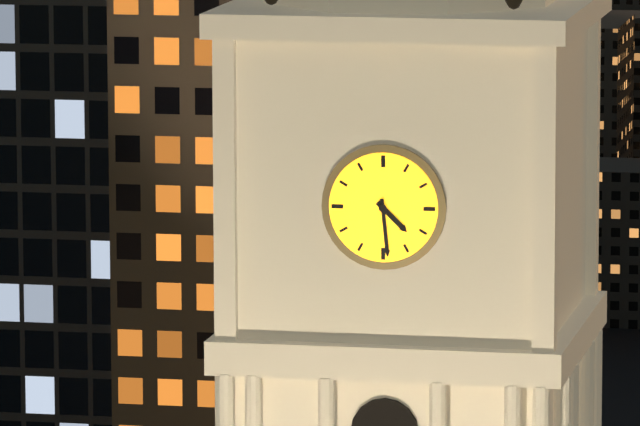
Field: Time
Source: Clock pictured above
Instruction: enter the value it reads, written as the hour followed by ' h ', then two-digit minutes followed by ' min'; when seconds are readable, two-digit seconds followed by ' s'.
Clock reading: 4 h 29 min
